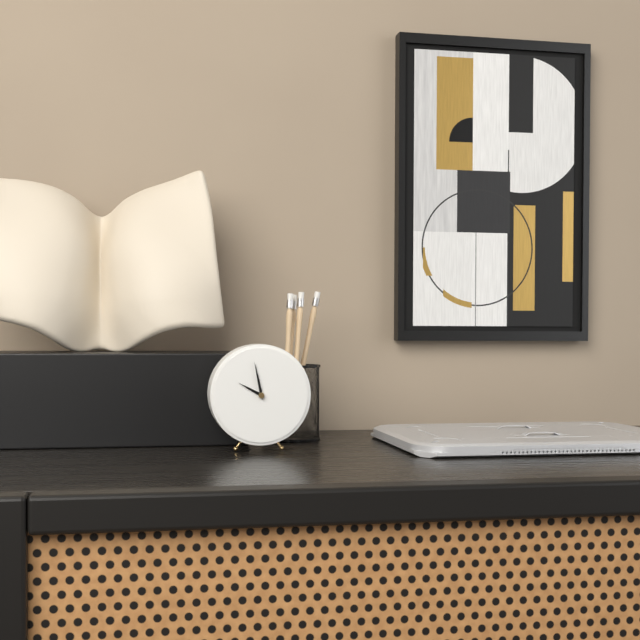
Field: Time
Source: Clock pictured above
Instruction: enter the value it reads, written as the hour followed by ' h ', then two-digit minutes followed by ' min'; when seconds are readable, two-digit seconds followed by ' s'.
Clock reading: 9 h 58 min
